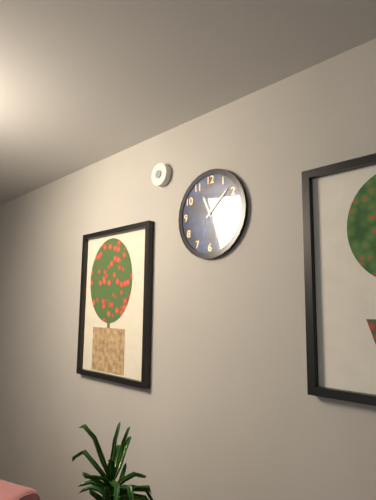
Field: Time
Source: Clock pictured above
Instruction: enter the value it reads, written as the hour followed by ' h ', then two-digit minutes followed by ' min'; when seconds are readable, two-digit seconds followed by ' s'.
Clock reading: 11 h 08 min
